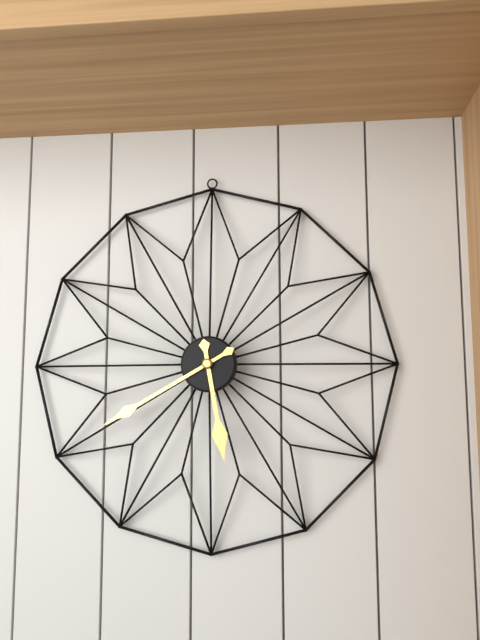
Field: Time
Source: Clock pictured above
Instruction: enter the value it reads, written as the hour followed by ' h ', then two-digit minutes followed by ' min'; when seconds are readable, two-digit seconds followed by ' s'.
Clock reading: 5 h 40 min
